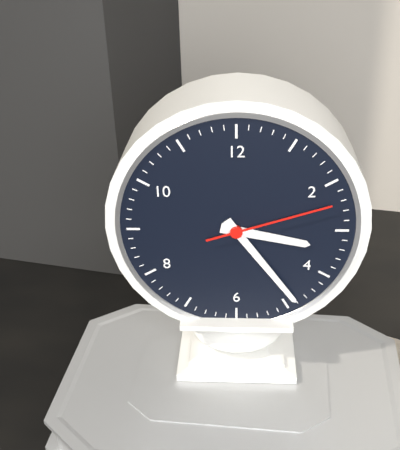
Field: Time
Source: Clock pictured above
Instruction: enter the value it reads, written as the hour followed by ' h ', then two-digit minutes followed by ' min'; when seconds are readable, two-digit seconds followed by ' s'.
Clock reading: 3 h 24 min 12 s
